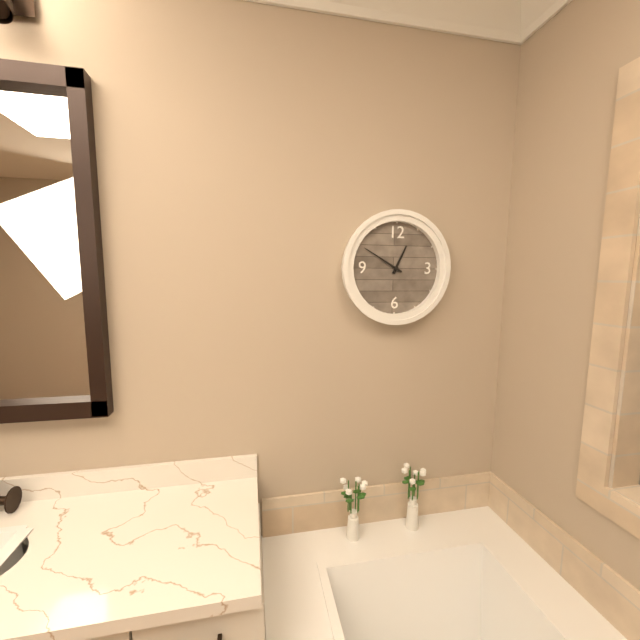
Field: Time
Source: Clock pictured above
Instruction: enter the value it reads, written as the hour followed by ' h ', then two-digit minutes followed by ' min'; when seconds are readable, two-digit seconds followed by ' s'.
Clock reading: 12 h 50 min
